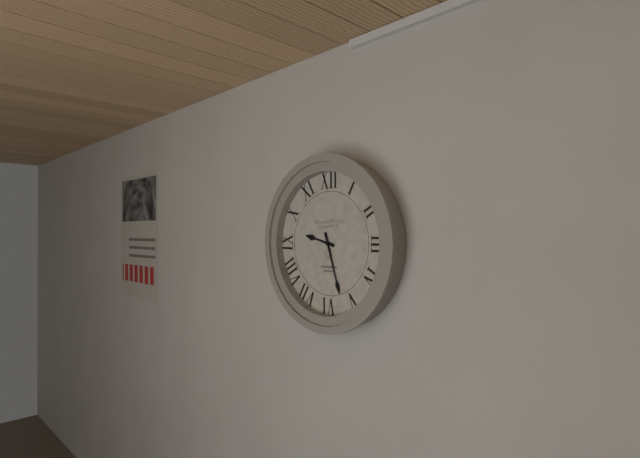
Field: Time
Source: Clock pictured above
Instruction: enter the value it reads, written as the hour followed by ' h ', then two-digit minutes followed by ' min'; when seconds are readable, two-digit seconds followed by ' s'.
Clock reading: 9 h 27 min
